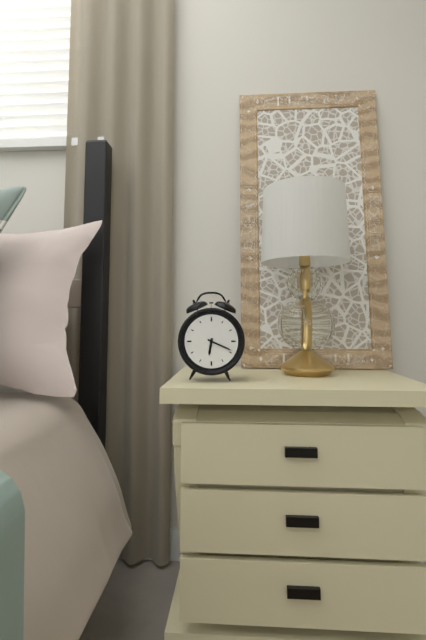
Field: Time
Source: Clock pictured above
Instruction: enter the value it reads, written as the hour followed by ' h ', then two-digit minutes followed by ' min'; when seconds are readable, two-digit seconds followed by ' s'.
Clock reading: 6 h 19 min
